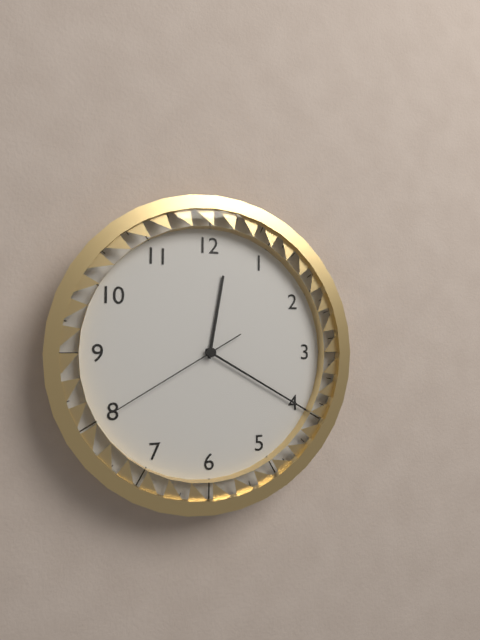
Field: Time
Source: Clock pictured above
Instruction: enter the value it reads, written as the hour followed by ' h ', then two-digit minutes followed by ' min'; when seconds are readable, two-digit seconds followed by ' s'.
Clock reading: 12 h 20 min 40 s
